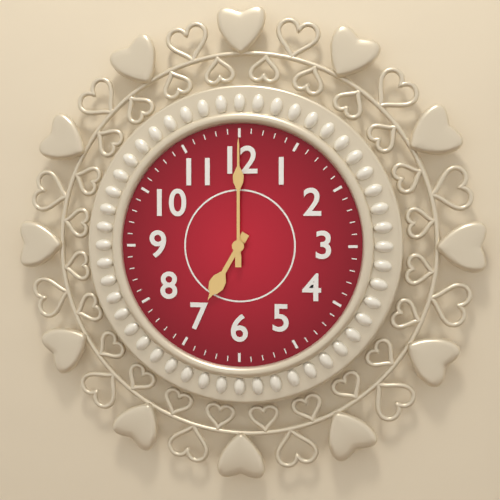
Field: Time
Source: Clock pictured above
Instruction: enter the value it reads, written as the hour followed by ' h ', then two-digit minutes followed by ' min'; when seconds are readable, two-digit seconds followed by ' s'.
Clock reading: 7 h 00 min
